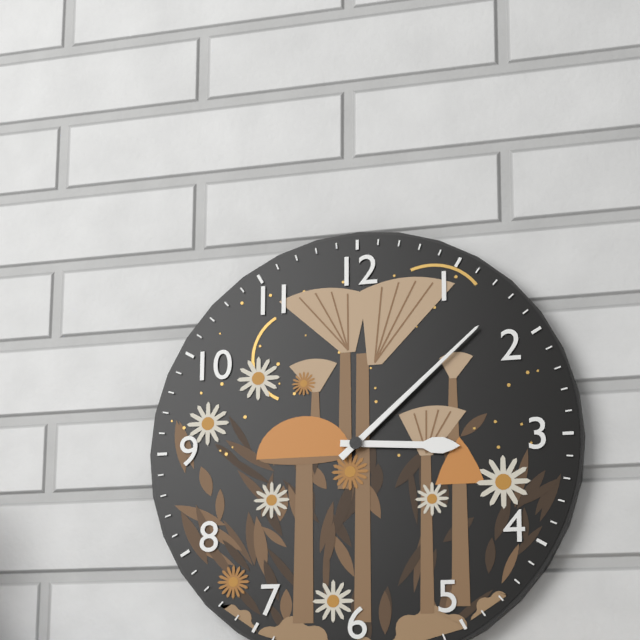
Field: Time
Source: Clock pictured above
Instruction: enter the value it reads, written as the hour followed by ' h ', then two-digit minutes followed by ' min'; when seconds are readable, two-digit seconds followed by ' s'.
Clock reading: 3 h 08 min
